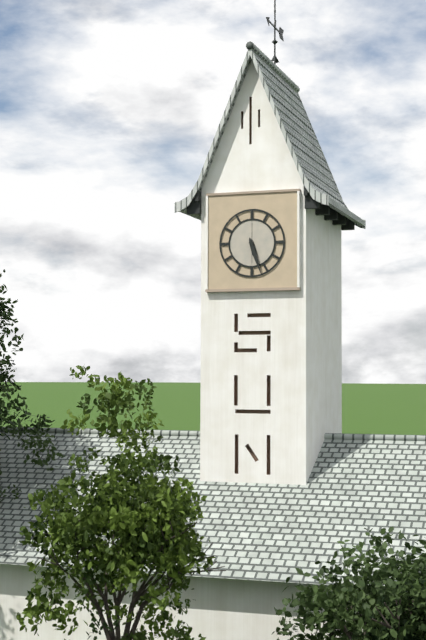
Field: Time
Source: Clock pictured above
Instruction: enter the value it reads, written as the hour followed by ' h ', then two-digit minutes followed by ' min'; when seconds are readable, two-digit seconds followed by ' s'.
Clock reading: 5 h 27 min
